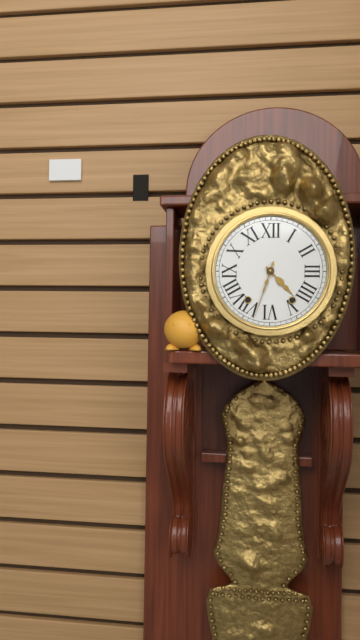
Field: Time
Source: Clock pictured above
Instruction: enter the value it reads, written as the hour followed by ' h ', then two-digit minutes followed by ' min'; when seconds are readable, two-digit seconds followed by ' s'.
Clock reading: 4 h 33 min
